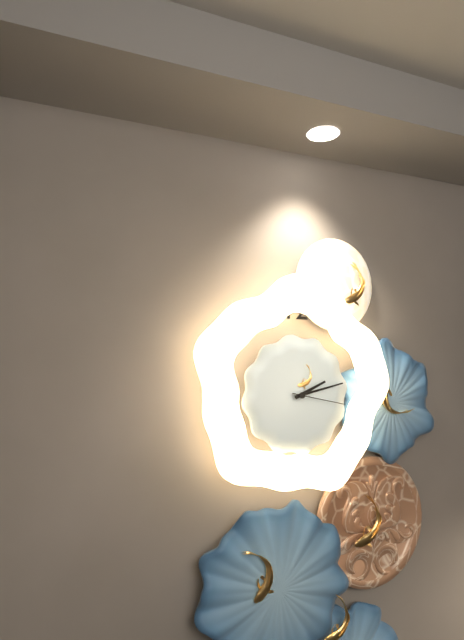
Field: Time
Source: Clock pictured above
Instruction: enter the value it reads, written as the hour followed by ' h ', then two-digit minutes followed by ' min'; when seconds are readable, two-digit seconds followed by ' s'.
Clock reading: 2 h 13 min 17 s
